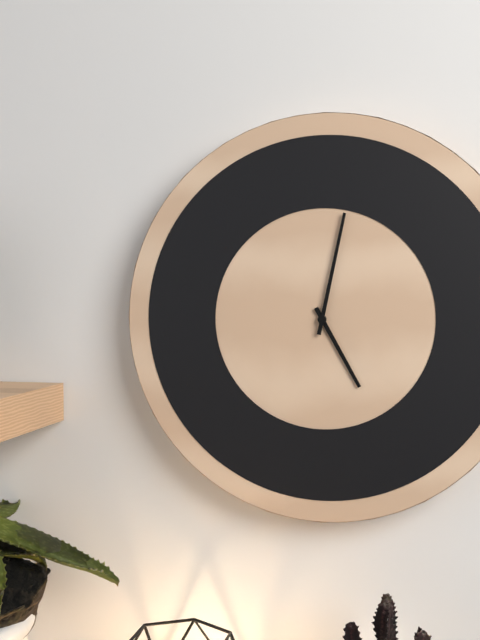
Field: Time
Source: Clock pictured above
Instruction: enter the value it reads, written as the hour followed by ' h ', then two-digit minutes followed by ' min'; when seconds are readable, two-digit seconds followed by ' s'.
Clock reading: 5 h 02 min
